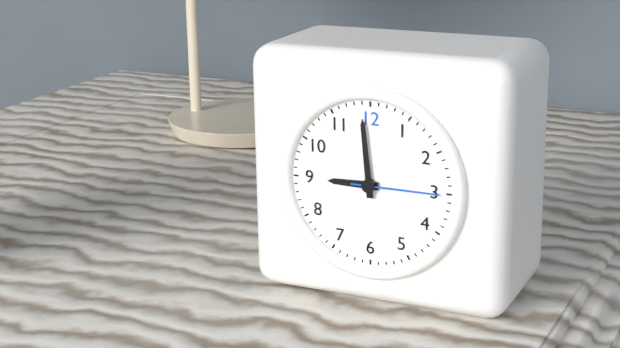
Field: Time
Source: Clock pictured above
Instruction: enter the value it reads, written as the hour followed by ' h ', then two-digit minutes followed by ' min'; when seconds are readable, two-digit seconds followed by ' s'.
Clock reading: 8 h 59 min 15 s
